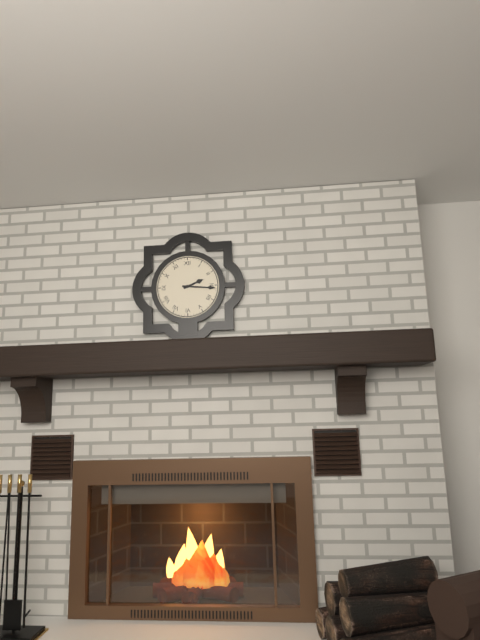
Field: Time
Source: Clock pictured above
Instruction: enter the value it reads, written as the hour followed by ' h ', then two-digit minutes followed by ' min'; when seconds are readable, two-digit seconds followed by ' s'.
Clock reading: 2 h 16 min
